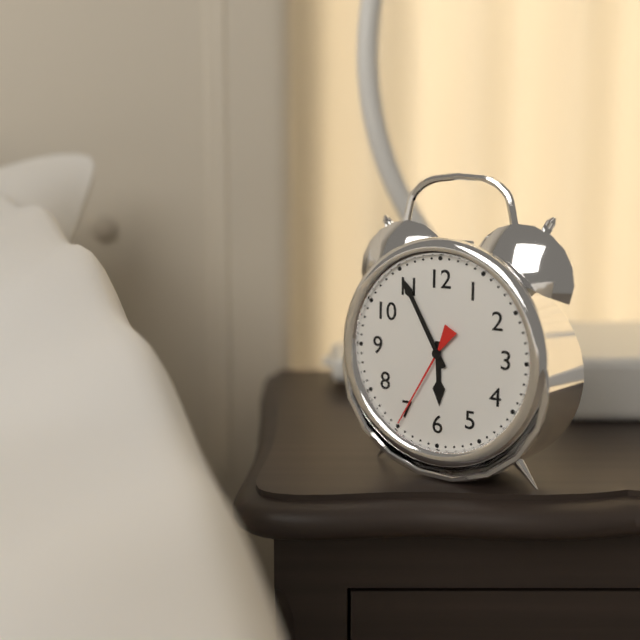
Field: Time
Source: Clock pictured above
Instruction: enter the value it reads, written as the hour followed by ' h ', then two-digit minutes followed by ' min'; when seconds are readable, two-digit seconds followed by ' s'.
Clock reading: 5 h 55 min 35 s
